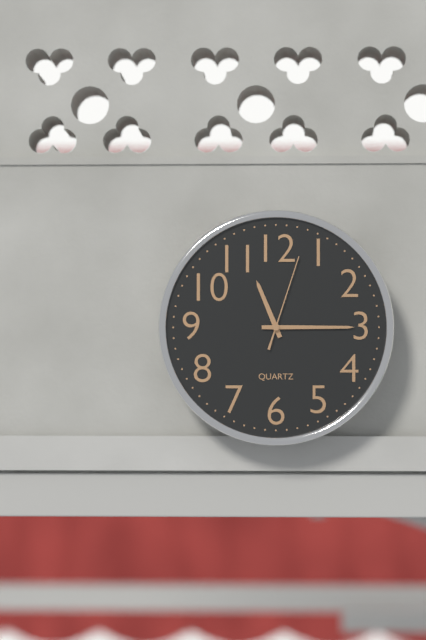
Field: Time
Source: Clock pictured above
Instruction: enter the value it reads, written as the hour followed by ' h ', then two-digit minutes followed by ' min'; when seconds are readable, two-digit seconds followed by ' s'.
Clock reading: 11 h 15 min 03 s
